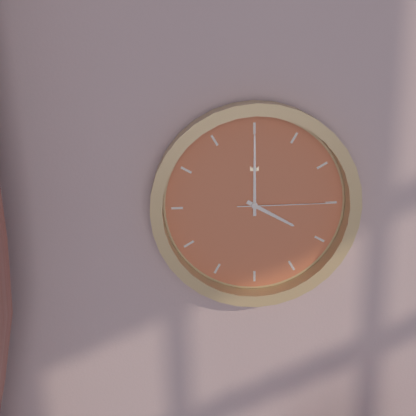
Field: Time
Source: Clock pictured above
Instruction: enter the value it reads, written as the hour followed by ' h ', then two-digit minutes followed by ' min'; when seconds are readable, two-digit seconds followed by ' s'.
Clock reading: 4 h 00 min 15 s
